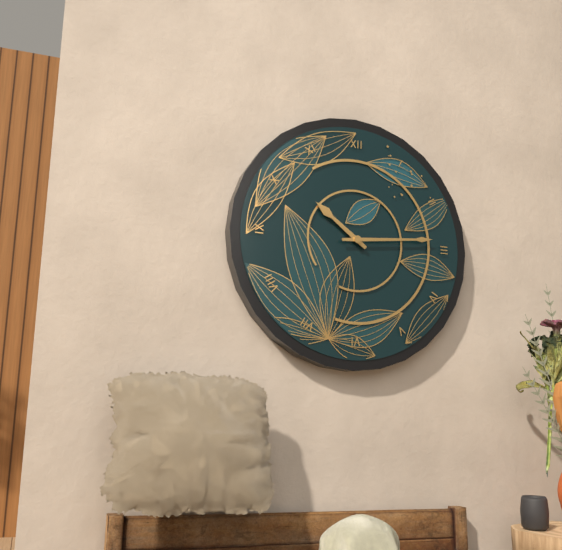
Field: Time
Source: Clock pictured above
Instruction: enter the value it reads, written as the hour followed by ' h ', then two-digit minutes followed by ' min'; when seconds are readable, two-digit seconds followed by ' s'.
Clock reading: 10 h 14 min
